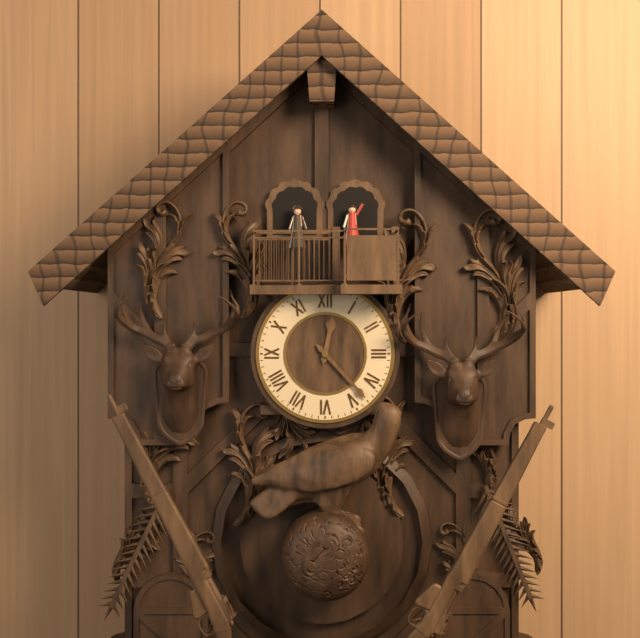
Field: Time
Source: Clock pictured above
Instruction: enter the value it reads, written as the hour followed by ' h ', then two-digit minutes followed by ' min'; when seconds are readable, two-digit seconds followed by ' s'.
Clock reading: 12 h 23 min
